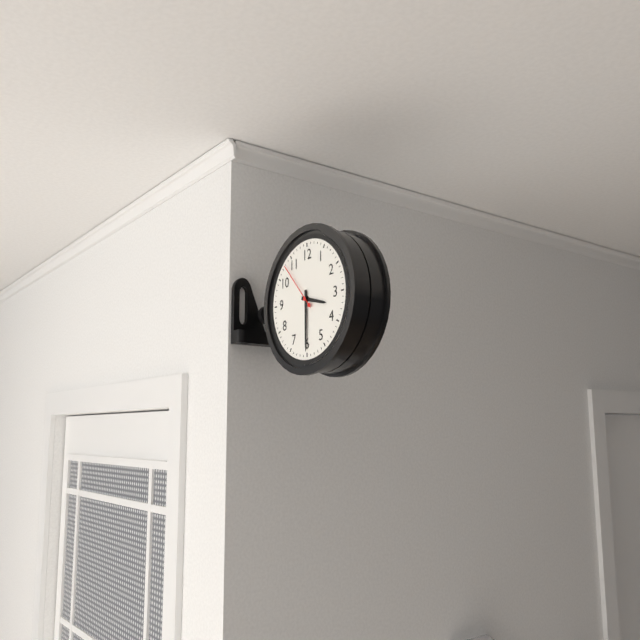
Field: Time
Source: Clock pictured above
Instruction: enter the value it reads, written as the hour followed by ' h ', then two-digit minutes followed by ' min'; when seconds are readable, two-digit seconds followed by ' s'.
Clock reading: 3 h 30 min 53 s
